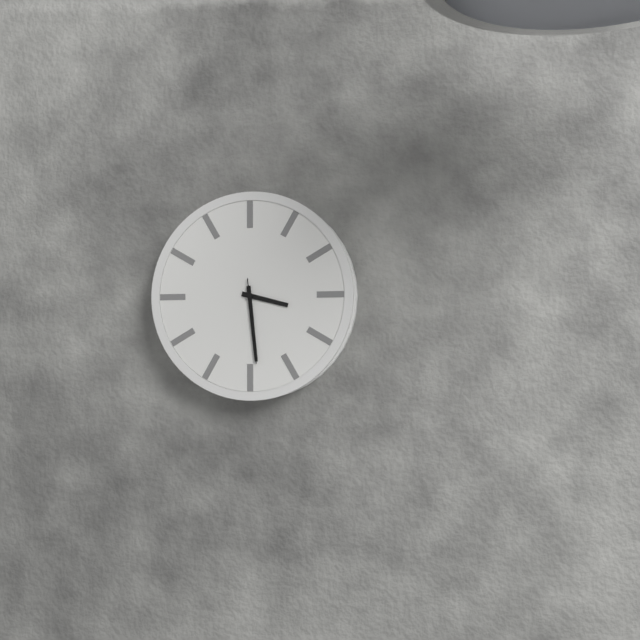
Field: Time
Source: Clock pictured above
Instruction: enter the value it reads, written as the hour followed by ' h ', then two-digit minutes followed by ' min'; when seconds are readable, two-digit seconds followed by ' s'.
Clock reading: 3 h 29 min 29 s
